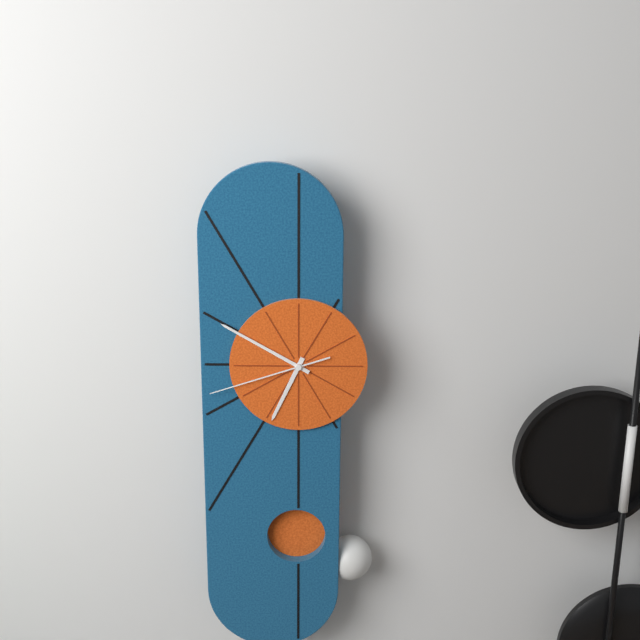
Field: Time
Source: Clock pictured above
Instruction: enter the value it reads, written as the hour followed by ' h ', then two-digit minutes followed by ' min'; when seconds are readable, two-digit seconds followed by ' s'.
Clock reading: 6 h 50 min 42 s
